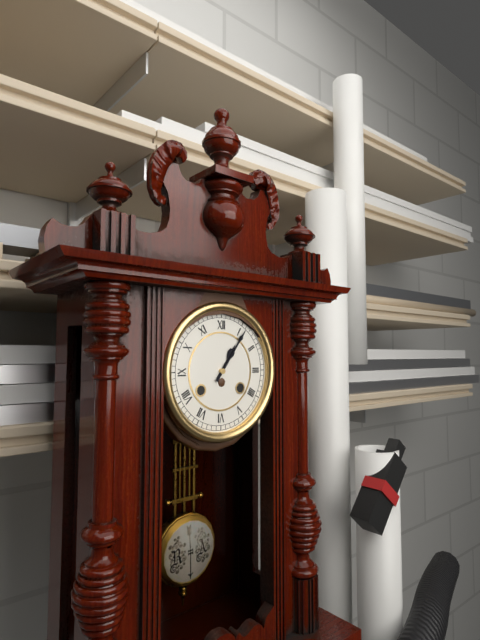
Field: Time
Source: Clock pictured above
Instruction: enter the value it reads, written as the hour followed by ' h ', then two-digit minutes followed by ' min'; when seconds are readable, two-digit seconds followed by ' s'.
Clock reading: 1 h 06 min
